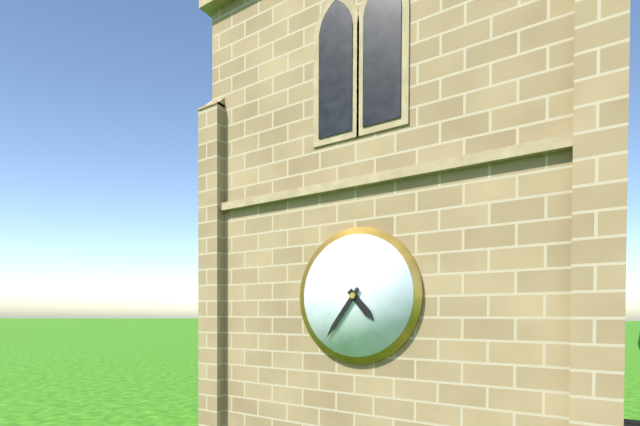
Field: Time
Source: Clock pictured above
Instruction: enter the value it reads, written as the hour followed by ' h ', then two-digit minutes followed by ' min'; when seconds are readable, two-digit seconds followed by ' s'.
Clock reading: 4 h 36 min
